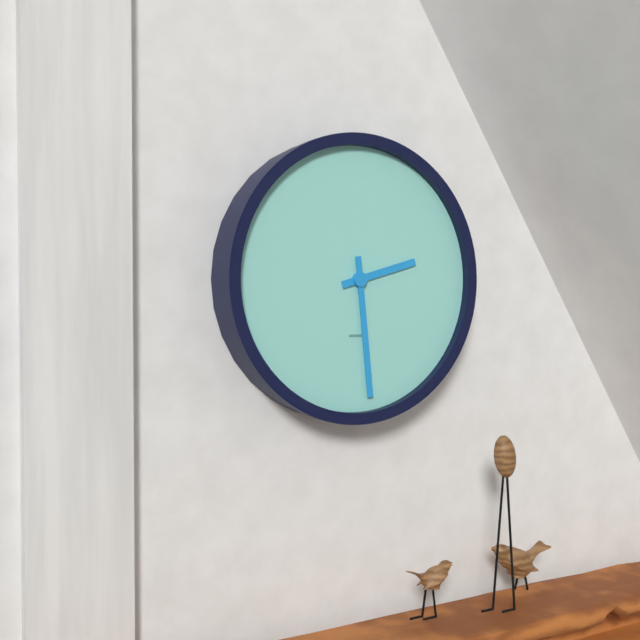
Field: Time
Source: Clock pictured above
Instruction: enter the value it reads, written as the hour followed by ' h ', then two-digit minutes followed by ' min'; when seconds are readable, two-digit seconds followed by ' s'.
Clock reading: 2 h 29 min
